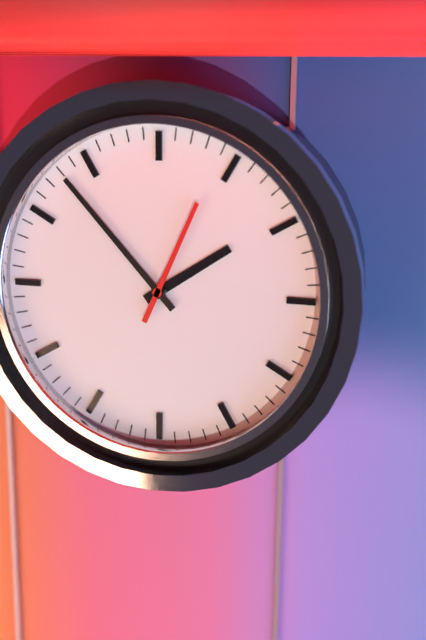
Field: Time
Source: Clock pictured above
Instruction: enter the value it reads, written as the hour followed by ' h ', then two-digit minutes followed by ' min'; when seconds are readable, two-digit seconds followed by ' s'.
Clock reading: 1 h 53 min 04 s
